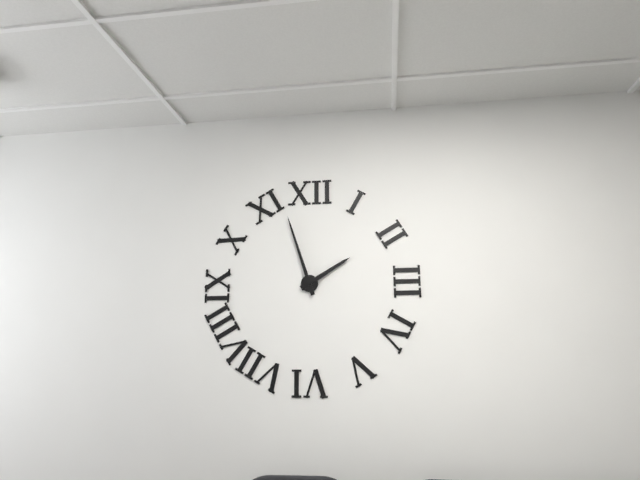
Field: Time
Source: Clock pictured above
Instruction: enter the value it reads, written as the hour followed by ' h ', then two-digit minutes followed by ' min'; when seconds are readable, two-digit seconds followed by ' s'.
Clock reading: 1 h 57 min
